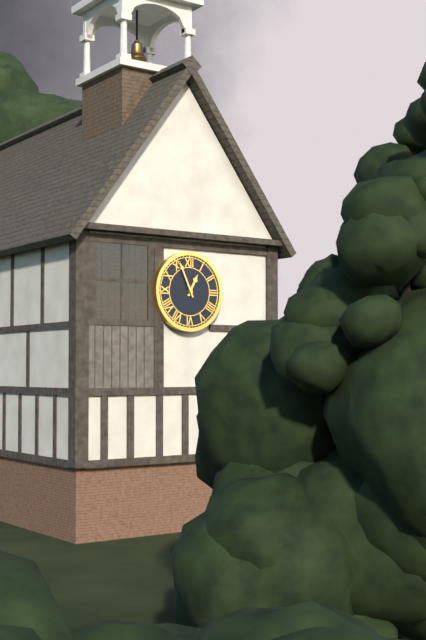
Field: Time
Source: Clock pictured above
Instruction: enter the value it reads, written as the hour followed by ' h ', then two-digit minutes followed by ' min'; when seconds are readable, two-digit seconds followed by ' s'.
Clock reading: 12 h 56 min
